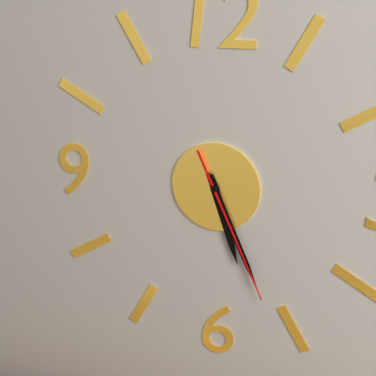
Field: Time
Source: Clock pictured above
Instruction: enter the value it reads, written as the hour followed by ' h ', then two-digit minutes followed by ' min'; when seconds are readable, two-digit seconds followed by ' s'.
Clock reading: 5 h 26 min 26 s
